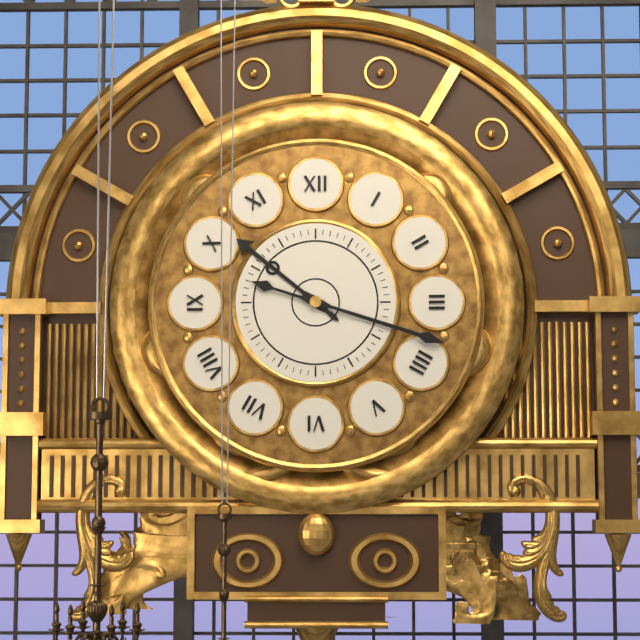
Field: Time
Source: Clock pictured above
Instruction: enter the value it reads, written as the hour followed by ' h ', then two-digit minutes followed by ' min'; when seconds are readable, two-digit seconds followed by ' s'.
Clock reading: 10 h 18 min
